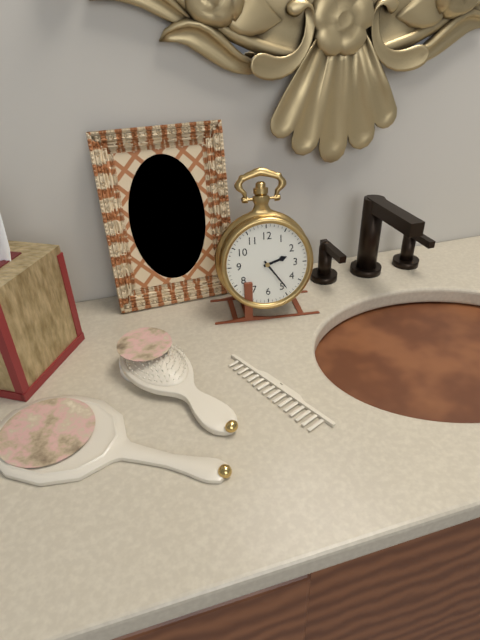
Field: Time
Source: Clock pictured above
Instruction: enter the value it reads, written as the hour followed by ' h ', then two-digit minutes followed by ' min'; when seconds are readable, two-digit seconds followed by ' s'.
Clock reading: 2 h 24 min
